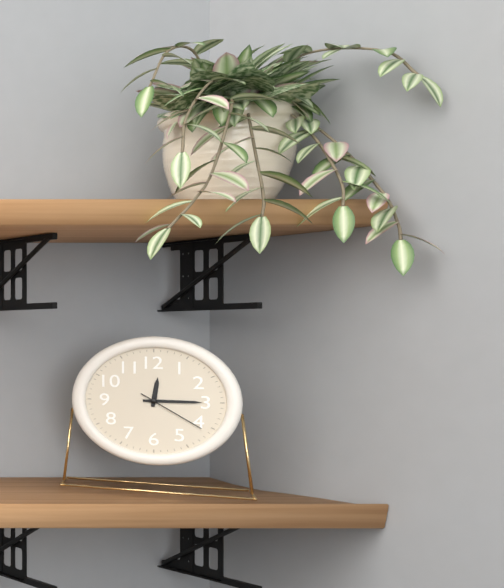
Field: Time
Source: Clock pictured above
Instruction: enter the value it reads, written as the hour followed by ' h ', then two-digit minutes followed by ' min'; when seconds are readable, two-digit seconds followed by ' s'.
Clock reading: 12 h 15 min 21 s
